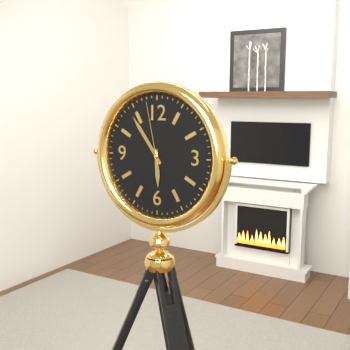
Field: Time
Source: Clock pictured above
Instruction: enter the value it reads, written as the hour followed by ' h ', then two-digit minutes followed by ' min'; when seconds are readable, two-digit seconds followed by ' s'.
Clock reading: 5 h 54 min 58 s
